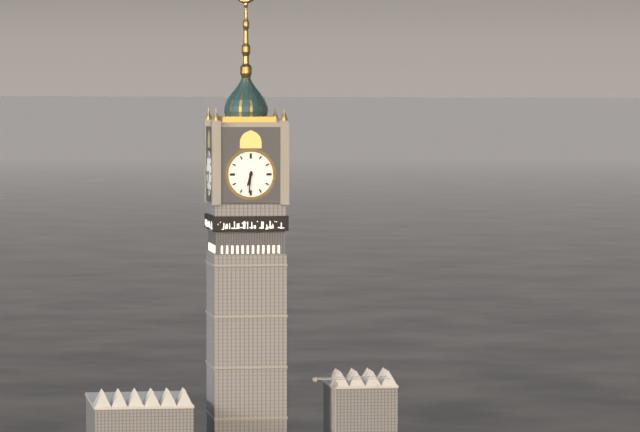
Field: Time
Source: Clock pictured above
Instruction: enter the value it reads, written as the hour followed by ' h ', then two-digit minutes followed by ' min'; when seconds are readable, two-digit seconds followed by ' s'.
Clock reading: 6 h 31 min
